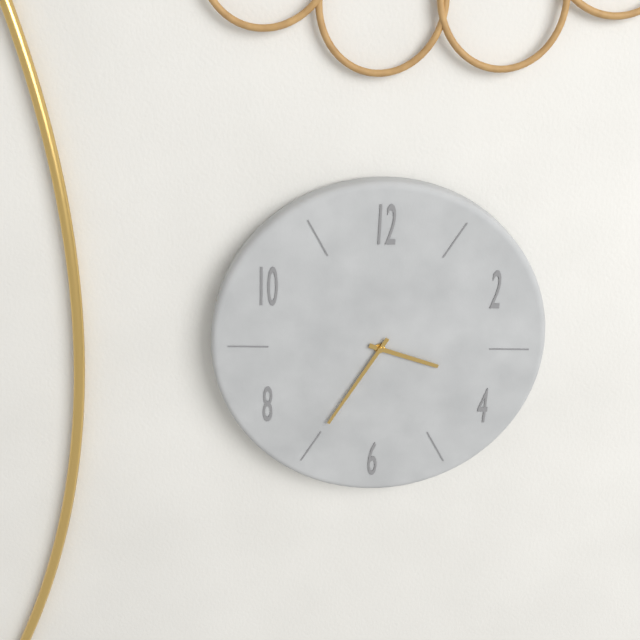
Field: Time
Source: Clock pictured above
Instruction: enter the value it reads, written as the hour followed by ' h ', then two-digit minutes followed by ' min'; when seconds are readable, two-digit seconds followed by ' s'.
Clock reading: 3 h 35 min
